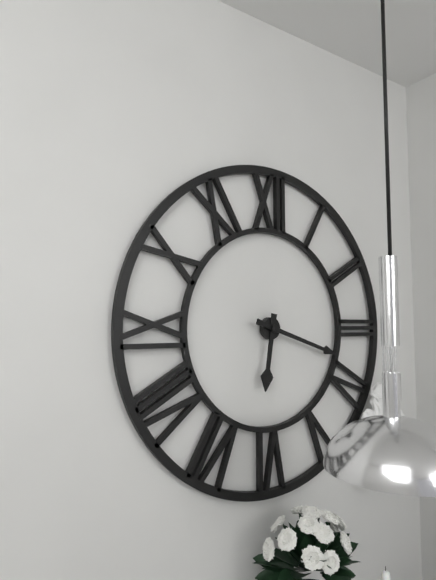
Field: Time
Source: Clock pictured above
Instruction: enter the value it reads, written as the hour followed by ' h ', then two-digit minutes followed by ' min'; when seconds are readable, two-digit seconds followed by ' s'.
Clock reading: 6 h 18 min
